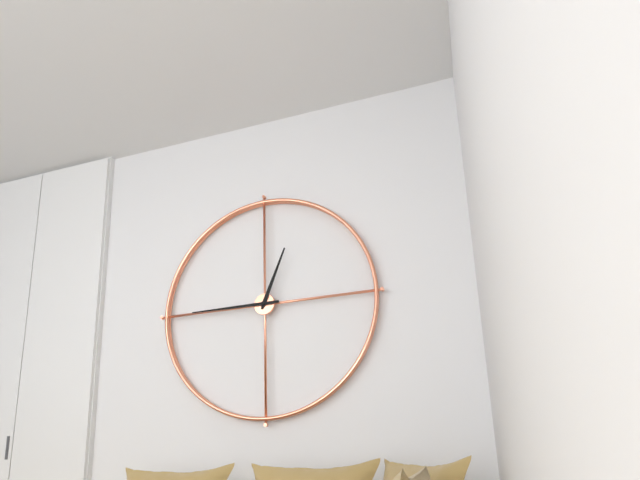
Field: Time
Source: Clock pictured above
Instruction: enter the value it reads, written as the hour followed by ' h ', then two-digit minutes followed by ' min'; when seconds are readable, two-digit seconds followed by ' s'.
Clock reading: 12 h 45 min
